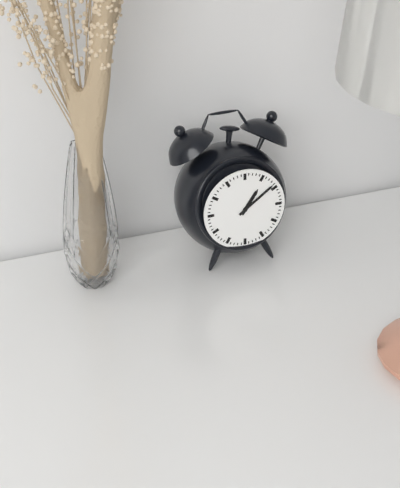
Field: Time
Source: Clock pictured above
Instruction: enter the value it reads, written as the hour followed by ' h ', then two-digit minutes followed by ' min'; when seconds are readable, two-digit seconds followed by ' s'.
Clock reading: 1 h 09 min
